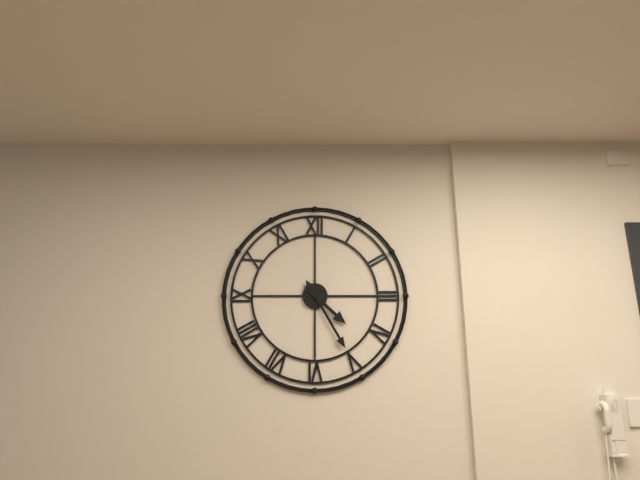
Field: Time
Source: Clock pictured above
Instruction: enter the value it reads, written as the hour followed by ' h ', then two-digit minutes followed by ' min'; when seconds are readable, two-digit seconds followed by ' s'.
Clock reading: 4 h 25 min
